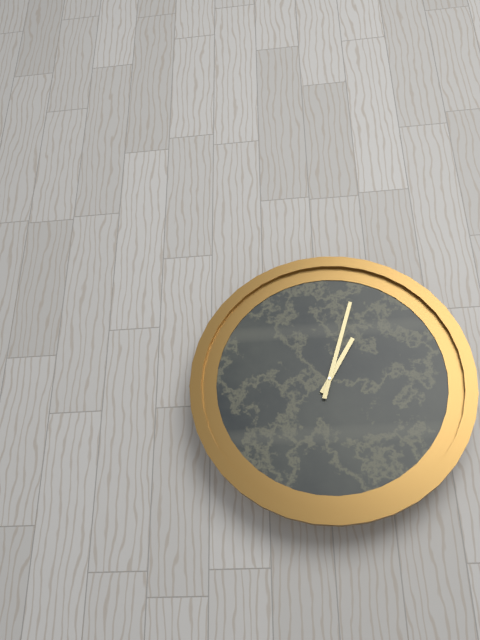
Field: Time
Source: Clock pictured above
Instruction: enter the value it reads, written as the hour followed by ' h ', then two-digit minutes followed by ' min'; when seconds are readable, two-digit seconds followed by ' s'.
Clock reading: 1 h 03 min
